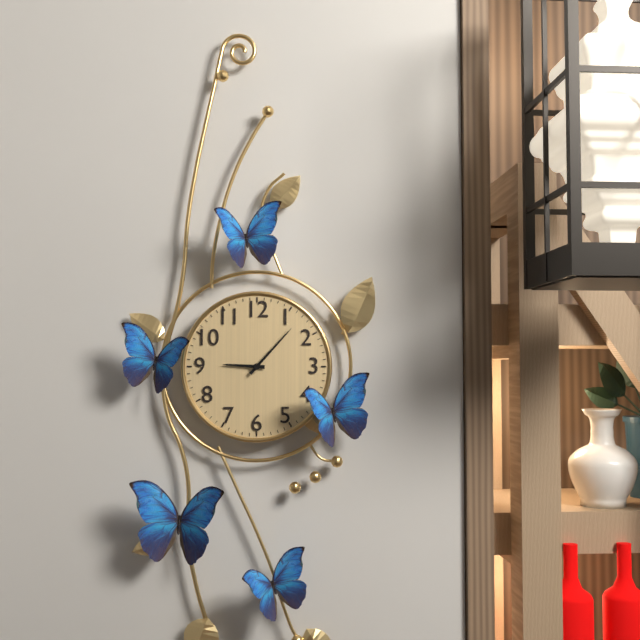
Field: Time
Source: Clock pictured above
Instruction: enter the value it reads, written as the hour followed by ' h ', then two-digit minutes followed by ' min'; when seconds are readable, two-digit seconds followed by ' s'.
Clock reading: 9 h 07 min
